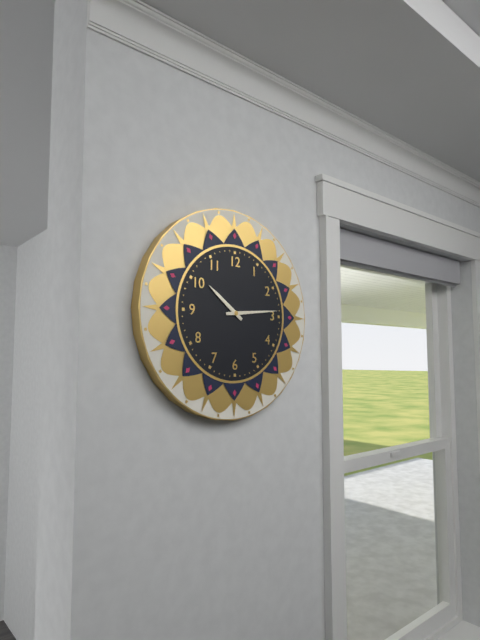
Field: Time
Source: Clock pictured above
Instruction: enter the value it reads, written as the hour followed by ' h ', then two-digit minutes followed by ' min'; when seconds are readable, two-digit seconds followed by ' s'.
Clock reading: 10 h 14 min
